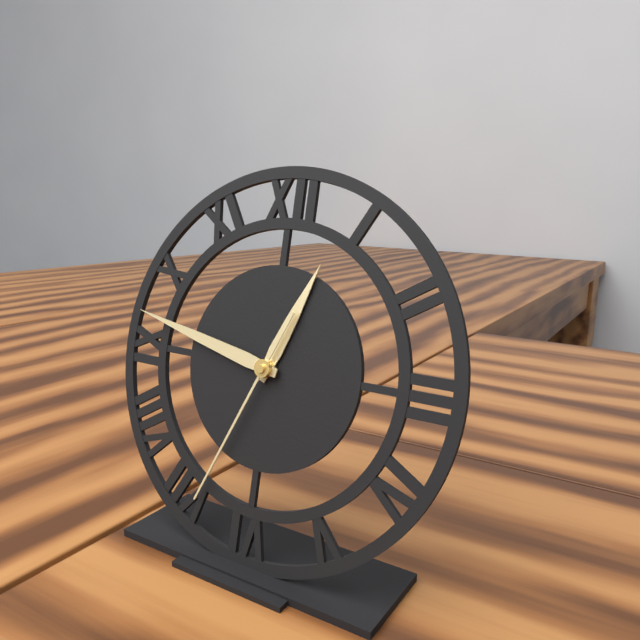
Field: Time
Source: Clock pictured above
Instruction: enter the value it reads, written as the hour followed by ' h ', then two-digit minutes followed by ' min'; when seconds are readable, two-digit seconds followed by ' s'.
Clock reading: 12 h 47 min 34 s
